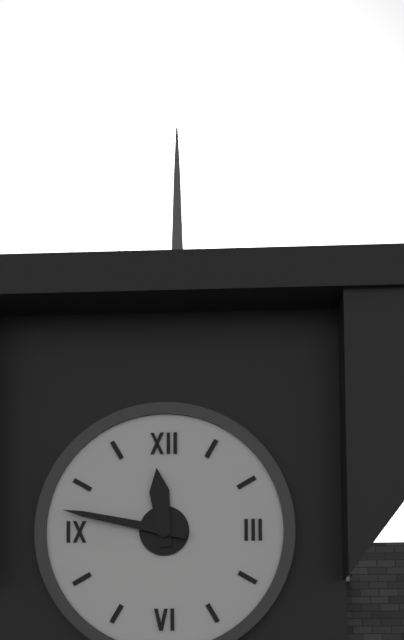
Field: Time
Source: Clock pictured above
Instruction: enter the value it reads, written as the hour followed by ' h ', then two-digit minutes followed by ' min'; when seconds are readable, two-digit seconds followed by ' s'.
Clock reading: 11 h 47 min
